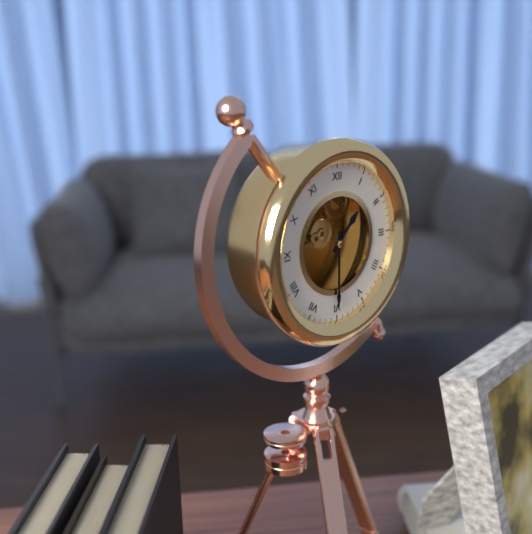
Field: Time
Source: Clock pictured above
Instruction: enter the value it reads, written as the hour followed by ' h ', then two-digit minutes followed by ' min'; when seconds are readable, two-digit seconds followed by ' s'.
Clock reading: 1 h 30 min
